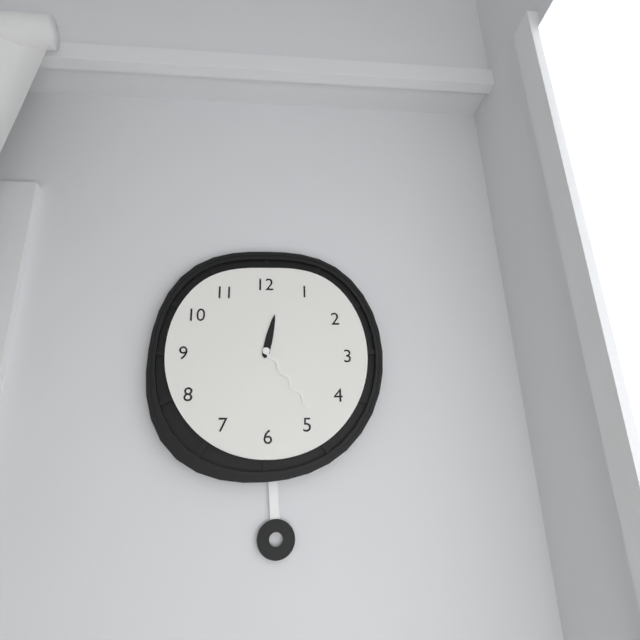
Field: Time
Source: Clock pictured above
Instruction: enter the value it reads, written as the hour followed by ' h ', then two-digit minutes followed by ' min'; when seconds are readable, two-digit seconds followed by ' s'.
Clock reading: 12 h 24 min
